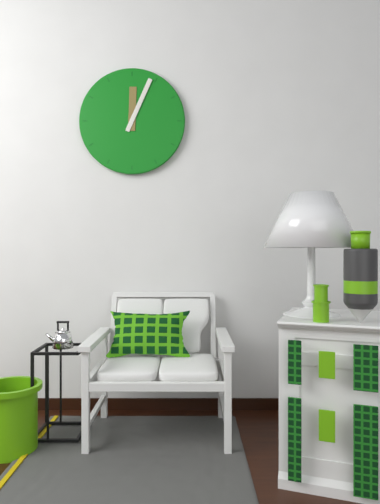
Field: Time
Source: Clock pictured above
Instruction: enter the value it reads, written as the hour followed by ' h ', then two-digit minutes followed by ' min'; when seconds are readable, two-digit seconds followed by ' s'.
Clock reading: 12 h 04 min
